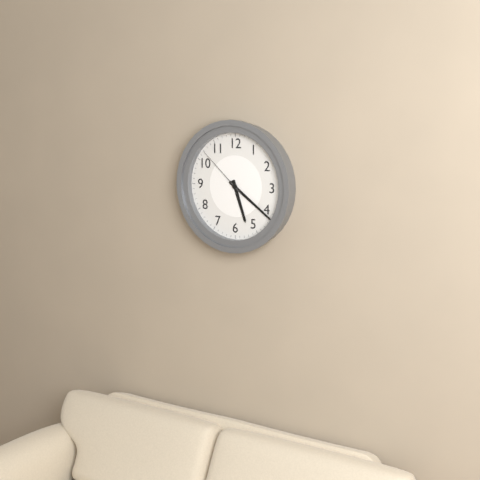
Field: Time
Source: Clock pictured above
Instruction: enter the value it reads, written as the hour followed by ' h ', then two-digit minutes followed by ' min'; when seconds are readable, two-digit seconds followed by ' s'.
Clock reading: 5 h 21 min 52 s
